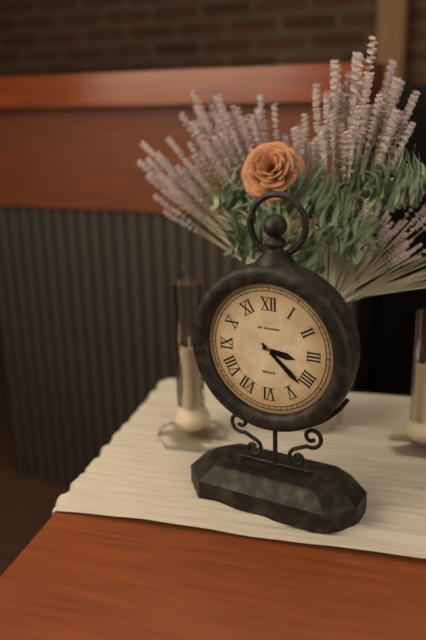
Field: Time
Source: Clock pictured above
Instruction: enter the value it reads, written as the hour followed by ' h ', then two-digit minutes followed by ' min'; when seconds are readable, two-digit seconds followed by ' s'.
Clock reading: 3 h 22 min
